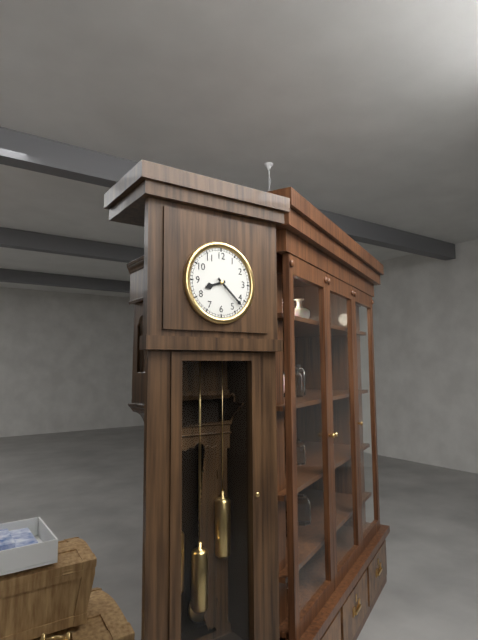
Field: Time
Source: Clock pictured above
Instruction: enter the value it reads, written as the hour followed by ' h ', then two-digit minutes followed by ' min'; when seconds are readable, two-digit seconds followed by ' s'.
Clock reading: 8 h 22 min
